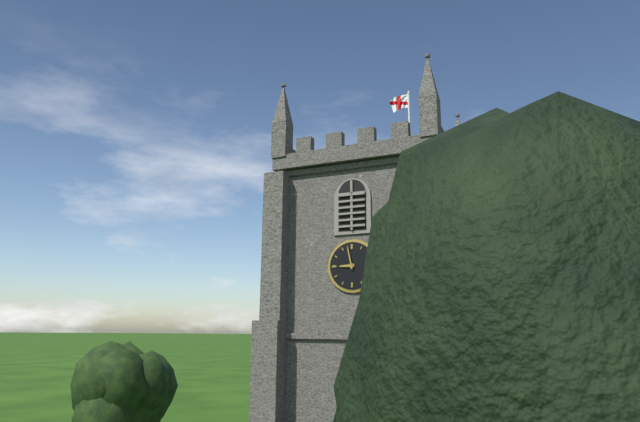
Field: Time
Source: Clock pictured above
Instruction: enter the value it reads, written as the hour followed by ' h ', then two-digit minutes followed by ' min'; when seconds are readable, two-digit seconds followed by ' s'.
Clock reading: 8 h 58 min
